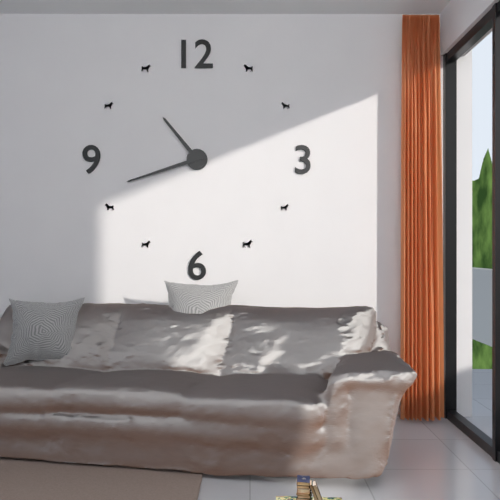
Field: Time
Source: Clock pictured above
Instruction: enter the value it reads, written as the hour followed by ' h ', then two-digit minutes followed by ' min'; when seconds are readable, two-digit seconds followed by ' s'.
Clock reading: 10 h 42 min
